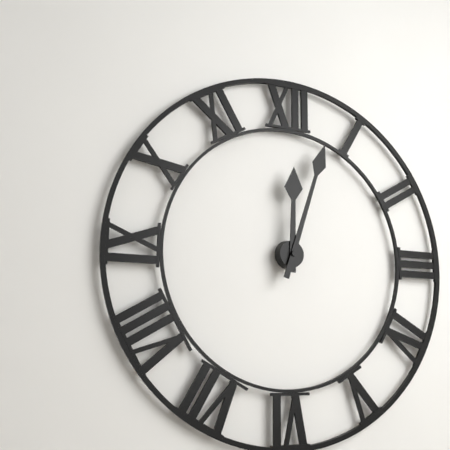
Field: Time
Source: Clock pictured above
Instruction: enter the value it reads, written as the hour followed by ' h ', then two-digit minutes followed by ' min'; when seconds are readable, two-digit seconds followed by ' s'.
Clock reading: 12 h 03 min
